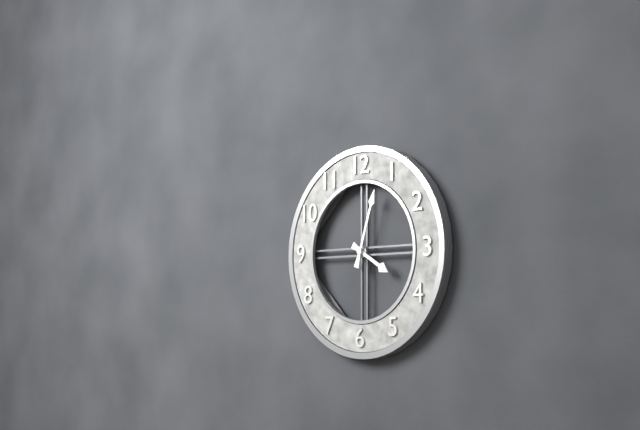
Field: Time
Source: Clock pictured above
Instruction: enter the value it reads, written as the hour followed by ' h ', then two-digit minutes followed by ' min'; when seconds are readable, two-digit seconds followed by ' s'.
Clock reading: 4 h 03 min
